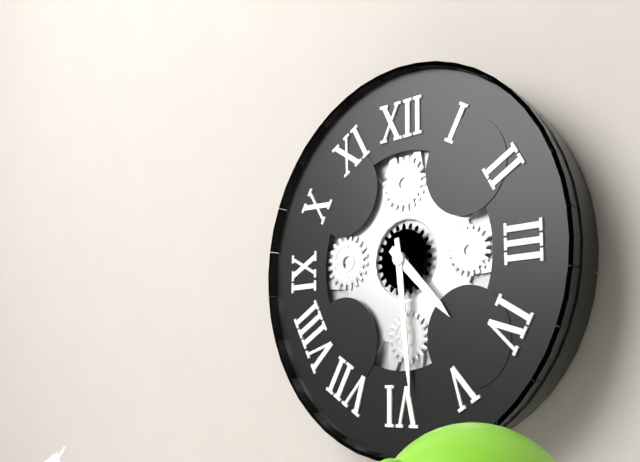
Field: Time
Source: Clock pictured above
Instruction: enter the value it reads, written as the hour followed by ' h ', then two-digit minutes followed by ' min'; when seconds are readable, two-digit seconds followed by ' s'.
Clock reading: 4 h 29 min
